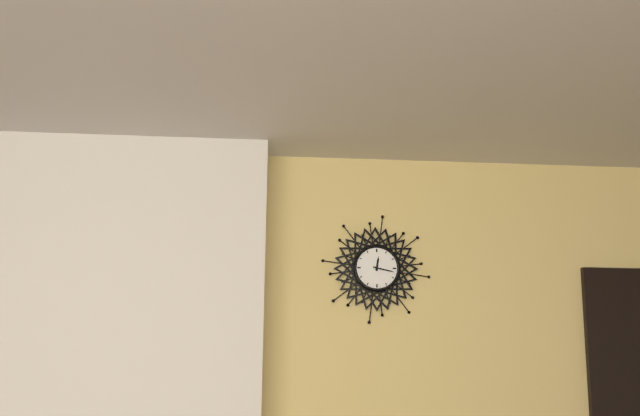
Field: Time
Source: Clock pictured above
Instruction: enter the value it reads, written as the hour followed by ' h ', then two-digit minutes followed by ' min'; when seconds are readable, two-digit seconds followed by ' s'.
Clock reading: 12 h 17 min
